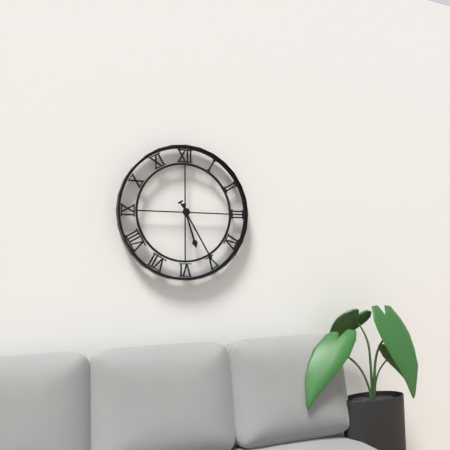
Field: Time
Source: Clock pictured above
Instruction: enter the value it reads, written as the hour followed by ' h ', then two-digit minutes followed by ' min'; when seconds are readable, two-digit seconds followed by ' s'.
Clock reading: 5 h 25 min
